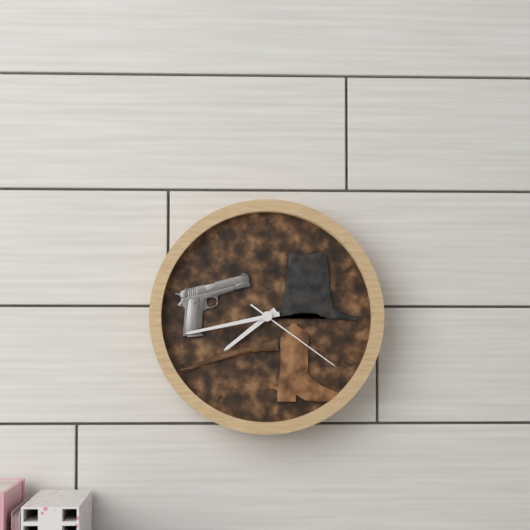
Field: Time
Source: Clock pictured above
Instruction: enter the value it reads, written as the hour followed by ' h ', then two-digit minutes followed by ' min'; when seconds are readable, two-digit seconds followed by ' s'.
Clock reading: 7 h 43 min 21 s
